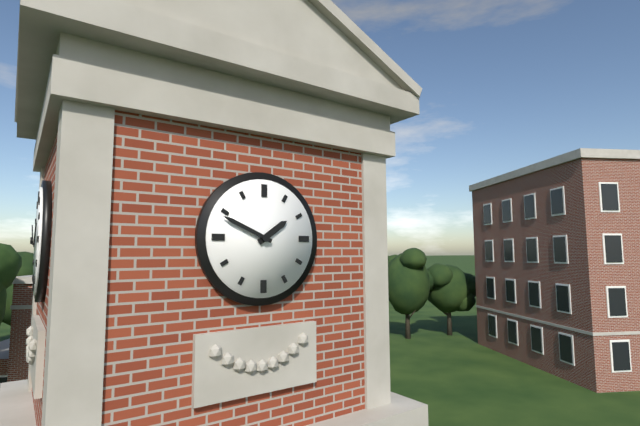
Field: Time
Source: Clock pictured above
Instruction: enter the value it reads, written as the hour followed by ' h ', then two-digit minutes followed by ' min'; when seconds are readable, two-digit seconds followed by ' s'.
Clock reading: 1 h 49 min
